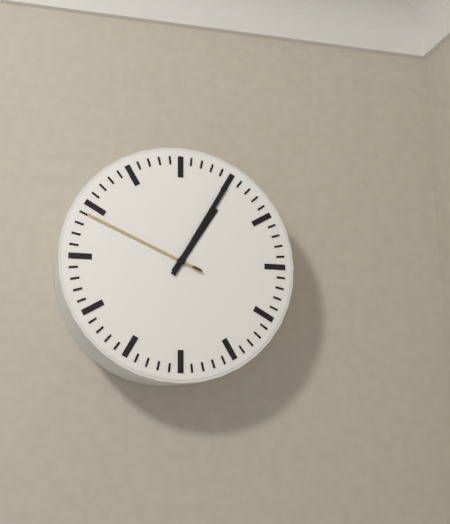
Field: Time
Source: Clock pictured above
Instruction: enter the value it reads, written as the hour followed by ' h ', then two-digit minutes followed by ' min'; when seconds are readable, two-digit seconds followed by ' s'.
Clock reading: 1 h 05 min 49 s
